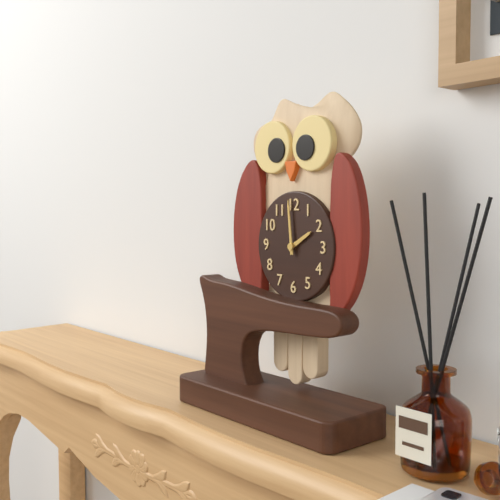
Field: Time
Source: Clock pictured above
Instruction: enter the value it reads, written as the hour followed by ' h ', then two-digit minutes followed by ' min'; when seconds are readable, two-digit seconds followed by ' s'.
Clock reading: 1 h 59 min
